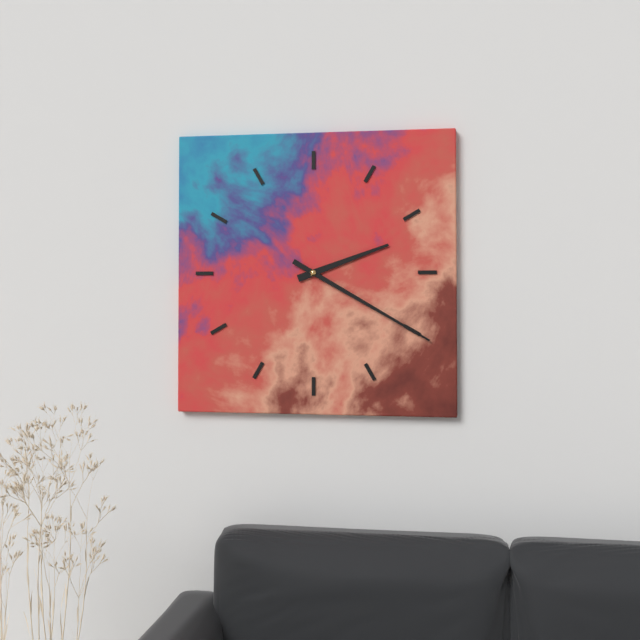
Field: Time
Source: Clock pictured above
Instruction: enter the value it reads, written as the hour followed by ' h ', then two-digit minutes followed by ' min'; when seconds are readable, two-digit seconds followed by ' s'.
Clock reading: 2 h 20 min
